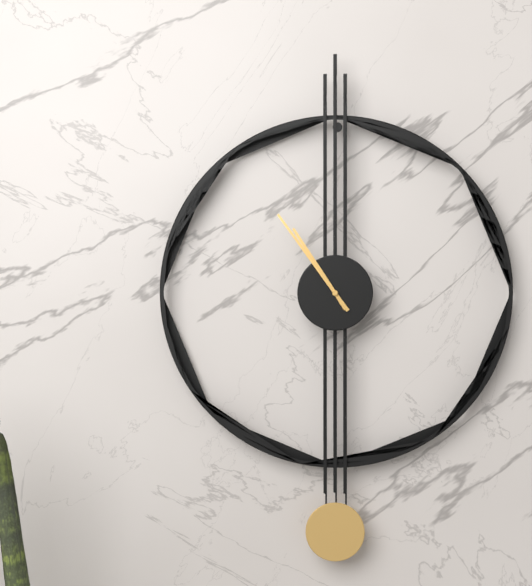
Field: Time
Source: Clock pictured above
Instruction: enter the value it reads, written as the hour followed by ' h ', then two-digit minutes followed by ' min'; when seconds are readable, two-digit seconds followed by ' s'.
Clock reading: 10 h 54 min
